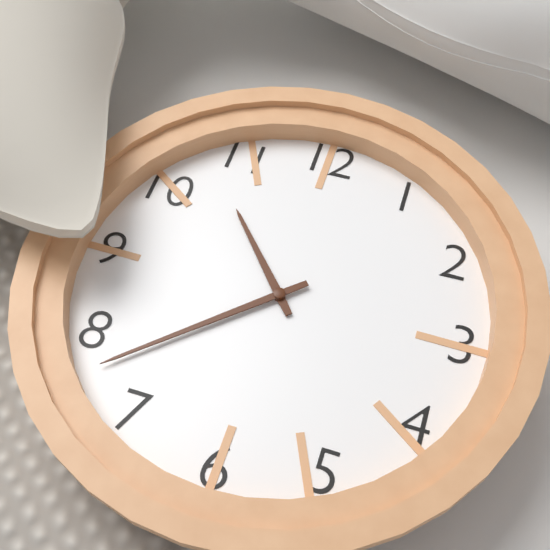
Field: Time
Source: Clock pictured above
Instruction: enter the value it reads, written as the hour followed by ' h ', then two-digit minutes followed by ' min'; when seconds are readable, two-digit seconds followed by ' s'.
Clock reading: 10 h 38 min
